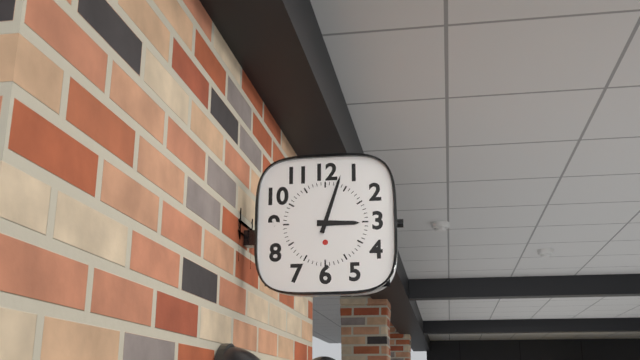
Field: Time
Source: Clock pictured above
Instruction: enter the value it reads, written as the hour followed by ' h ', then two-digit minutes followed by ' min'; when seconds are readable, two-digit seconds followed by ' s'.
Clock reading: 3 h 03 min
